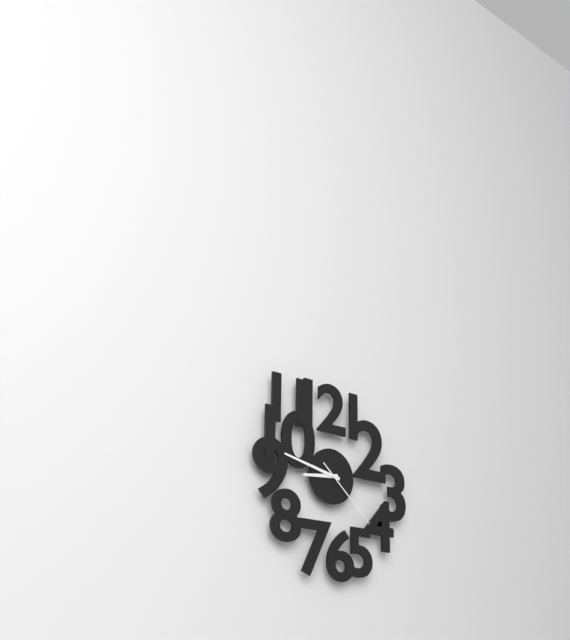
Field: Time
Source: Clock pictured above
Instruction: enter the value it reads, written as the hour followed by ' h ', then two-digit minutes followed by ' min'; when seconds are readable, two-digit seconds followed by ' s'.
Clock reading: 8 h 47 min 22 s
